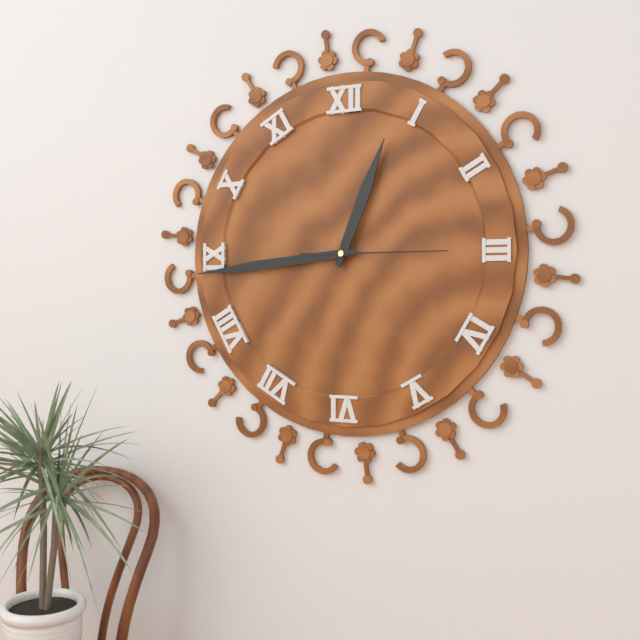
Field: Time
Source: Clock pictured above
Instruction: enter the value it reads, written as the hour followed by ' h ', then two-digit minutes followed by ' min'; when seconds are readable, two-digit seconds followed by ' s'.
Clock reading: 12 h 44 min 15 s
